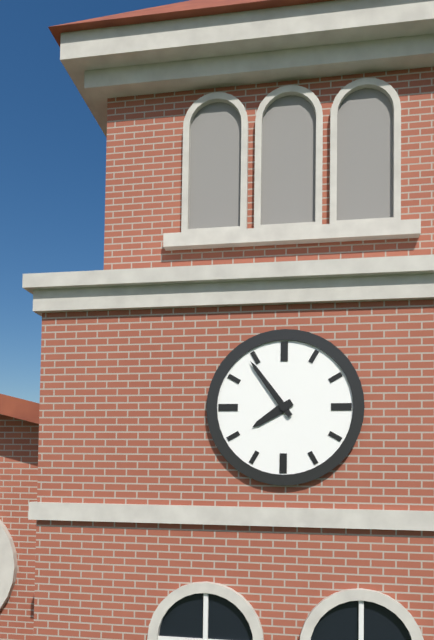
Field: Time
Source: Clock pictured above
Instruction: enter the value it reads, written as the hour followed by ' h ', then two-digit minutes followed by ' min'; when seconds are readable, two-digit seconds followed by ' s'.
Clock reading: 7 h 54 min
